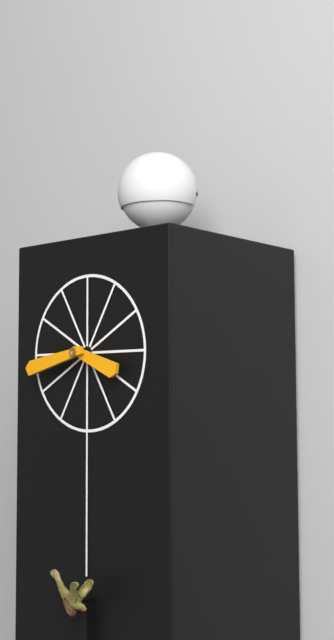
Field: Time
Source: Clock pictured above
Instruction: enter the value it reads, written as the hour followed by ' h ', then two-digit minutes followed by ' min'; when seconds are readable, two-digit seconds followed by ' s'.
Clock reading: 3 h 43 min
